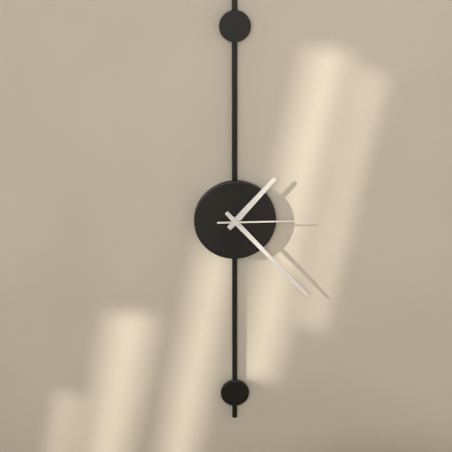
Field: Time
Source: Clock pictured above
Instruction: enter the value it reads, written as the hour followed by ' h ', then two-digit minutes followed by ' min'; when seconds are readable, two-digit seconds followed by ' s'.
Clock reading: 1 h 23 min 15 s
